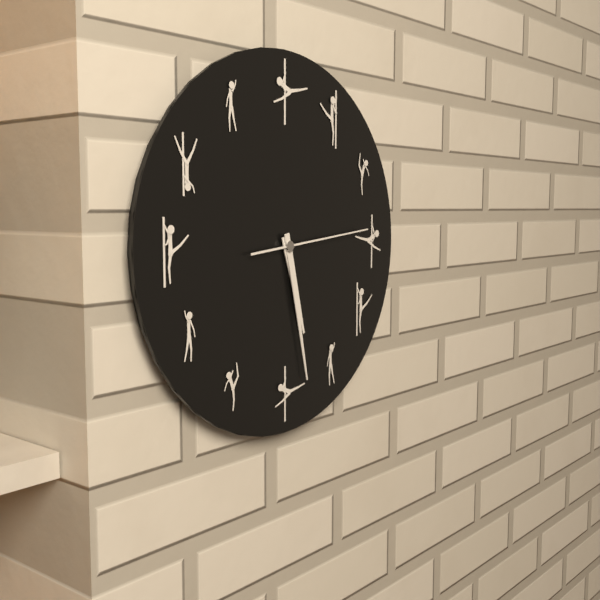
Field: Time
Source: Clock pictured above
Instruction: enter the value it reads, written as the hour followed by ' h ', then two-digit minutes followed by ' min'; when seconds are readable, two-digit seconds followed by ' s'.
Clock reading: 5 h 28 min 14 s
